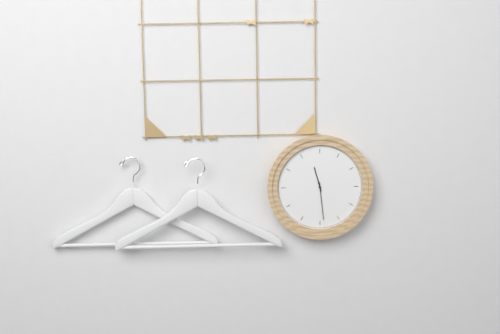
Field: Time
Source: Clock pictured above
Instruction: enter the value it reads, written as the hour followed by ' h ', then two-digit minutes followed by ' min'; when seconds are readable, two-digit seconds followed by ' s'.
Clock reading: 11 h 29 min
